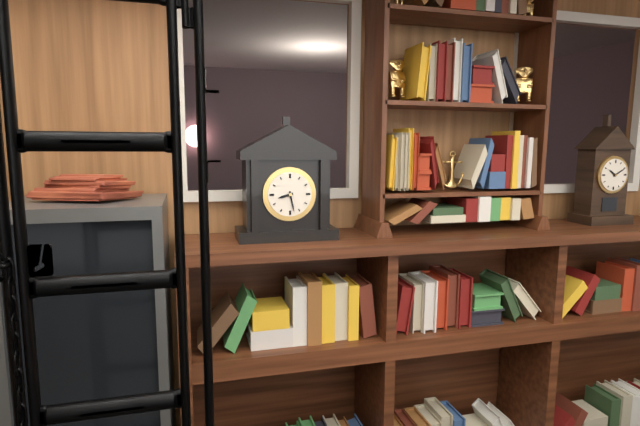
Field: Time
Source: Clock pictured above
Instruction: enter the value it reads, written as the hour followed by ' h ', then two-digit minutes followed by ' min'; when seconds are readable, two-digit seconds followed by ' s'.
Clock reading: 8 h 28 min
